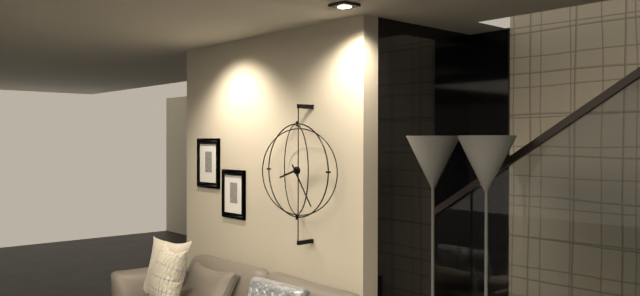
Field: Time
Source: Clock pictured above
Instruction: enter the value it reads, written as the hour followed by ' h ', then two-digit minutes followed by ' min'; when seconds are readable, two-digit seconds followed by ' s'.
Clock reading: 8 h 24 min
